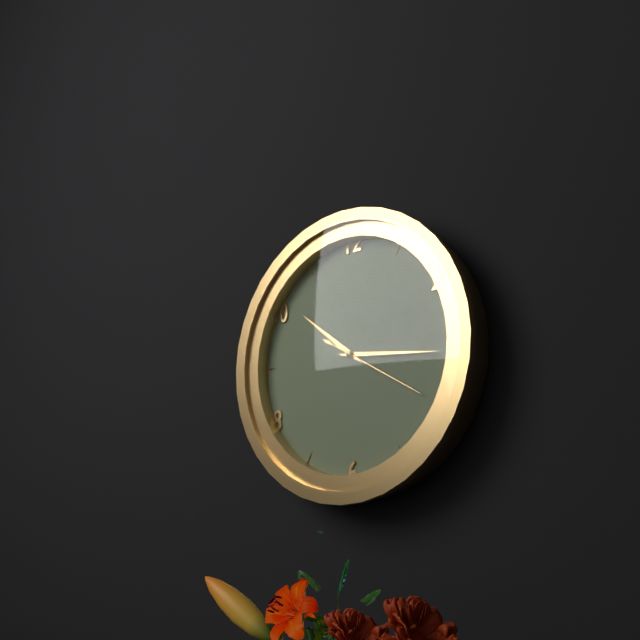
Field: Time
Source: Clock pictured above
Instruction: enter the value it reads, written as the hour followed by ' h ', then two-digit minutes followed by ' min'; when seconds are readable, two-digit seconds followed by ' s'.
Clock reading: 10 h 16 min 20 s
